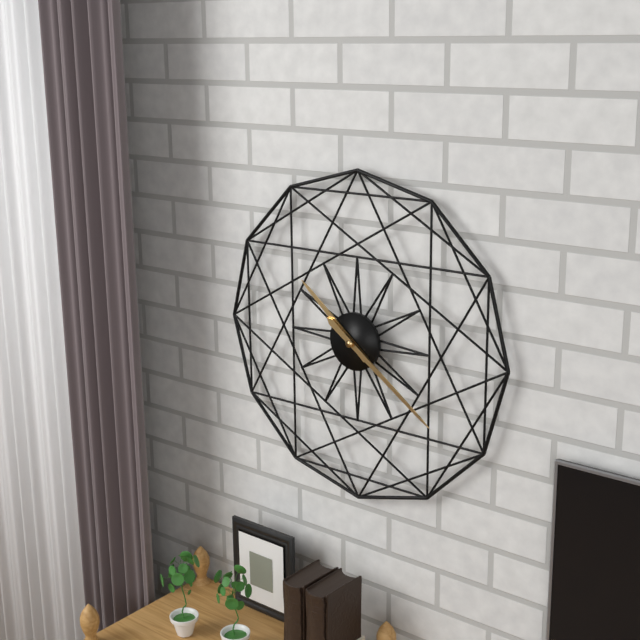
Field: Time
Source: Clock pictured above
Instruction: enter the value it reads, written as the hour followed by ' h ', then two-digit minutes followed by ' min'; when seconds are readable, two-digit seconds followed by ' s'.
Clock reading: 10 h 21 min
